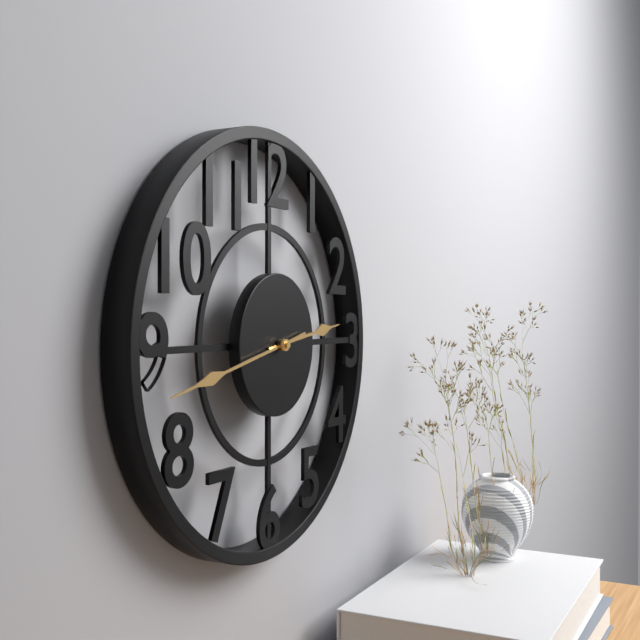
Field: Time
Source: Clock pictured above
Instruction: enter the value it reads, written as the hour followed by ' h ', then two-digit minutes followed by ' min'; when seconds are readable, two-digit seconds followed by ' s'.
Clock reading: 2 h 43 min
